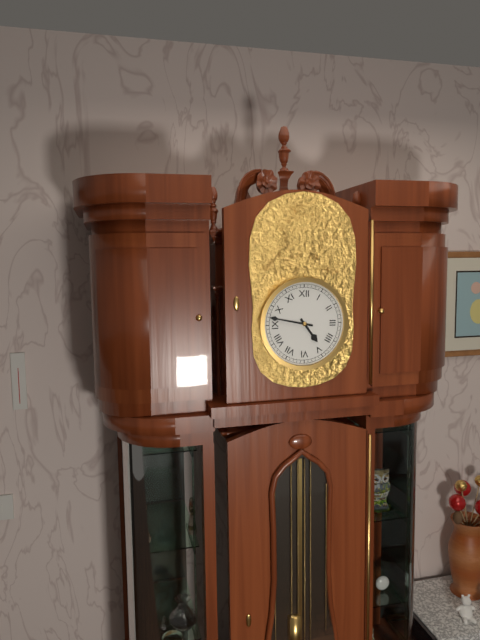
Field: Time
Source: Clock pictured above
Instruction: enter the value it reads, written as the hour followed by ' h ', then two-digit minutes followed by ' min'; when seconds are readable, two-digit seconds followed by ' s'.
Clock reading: 4 h 47 min
